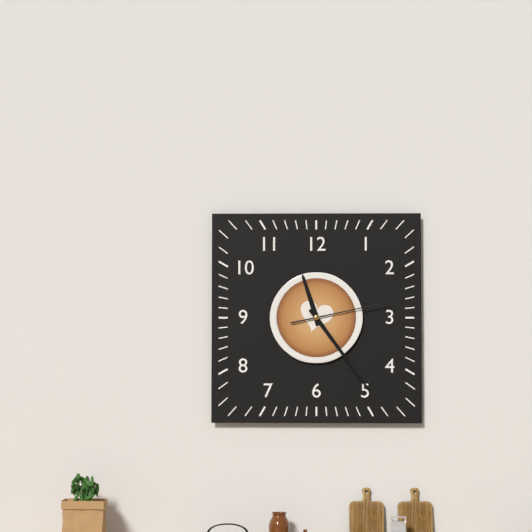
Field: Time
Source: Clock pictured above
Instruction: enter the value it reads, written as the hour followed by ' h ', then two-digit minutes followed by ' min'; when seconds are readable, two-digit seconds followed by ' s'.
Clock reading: 11 h 24 min 13 s
